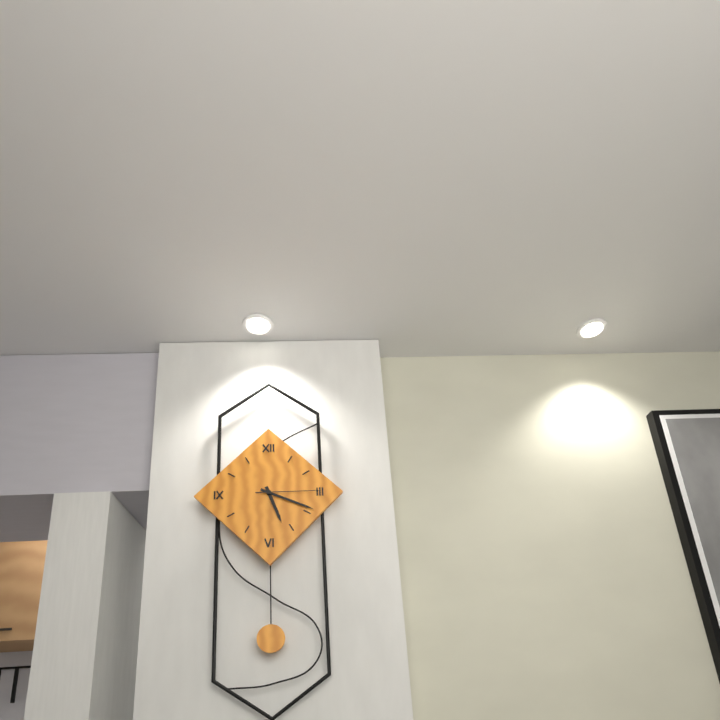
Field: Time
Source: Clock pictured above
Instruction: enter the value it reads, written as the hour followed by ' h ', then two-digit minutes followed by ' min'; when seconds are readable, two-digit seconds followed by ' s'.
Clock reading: 5 h 19 min 15 s
